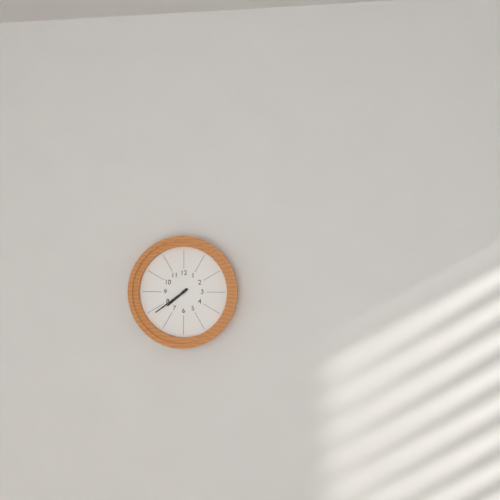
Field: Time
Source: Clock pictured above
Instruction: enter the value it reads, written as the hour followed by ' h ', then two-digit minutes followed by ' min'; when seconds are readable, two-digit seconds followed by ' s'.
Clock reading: 7 h 39 min
